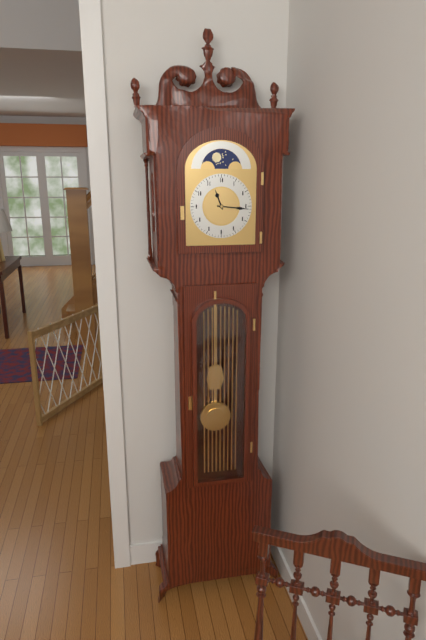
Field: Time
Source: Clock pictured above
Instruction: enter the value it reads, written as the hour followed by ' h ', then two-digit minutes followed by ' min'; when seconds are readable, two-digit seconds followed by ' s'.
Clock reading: 11 h 16 min
